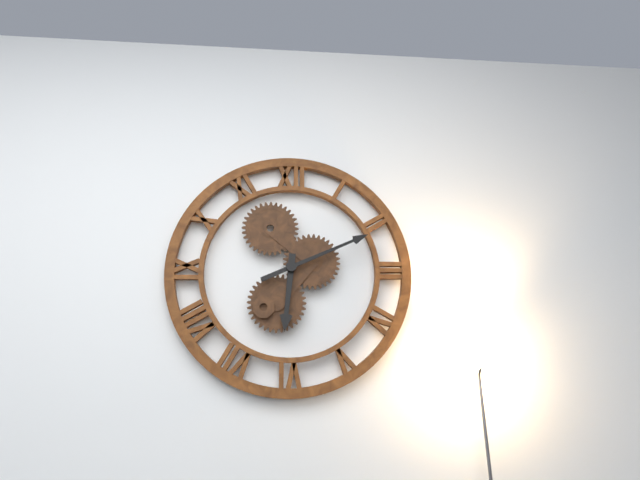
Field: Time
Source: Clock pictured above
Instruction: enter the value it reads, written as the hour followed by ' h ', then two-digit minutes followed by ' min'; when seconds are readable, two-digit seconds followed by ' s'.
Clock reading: 6 h 11 min
